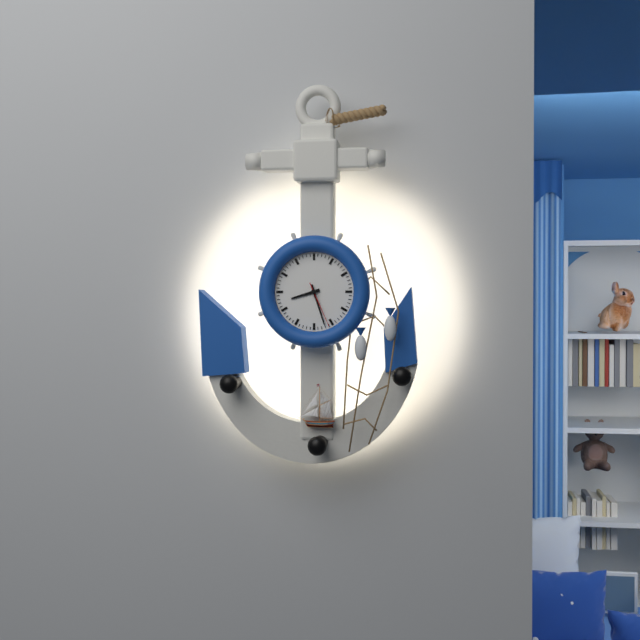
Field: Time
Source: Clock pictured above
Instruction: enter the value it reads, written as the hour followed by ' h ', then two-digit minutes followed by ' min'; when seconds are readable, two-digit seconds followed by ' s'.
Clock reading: 8 h 27 min
